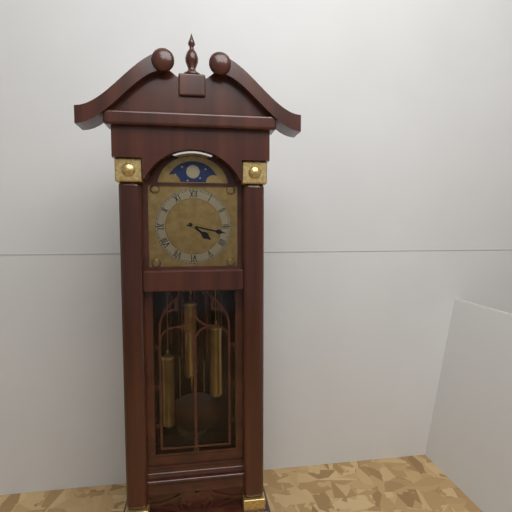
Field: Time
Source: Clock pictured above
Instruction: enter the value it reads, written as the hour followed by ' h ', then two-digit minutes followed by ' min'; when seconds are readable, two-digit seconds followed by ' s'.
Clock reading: 4 h 17 min
